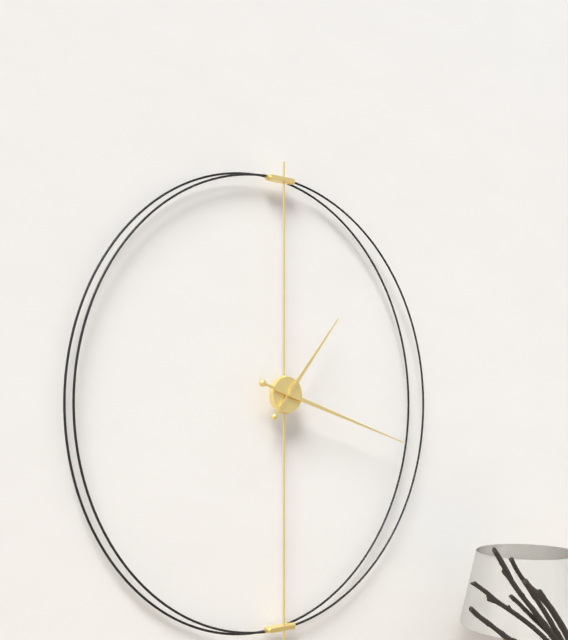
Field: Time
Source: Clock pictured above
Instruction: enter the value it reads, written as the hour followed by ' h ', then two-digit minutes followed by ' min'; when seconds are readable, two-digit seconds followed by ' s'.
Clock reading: 1 h 18 min
